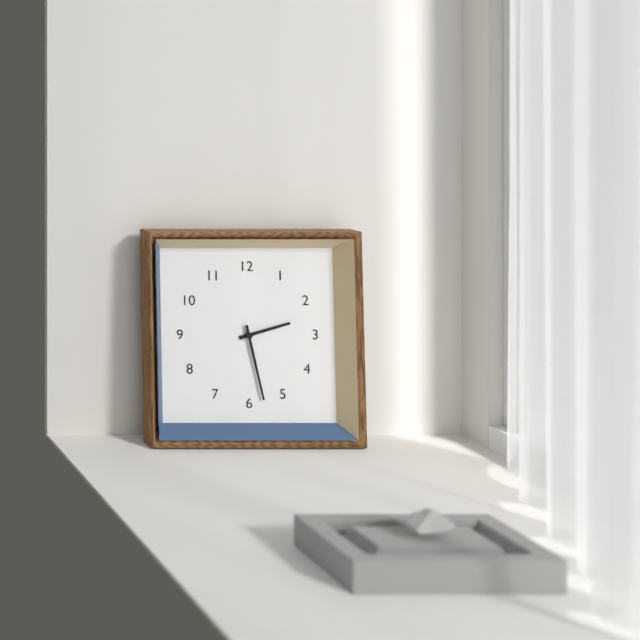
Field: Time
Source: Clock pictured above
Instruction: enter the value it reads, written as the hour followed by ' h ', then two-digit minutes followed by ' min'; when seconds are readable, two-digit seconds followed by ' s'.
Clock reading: 2 h 28 min
